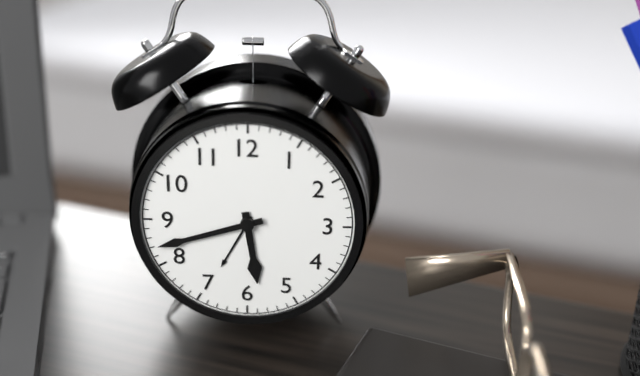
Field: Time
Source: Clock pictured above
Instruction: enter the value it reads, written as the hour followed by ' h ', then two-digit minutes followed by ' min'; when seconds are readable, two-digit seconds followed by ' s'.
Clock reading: 5 h 42 min
